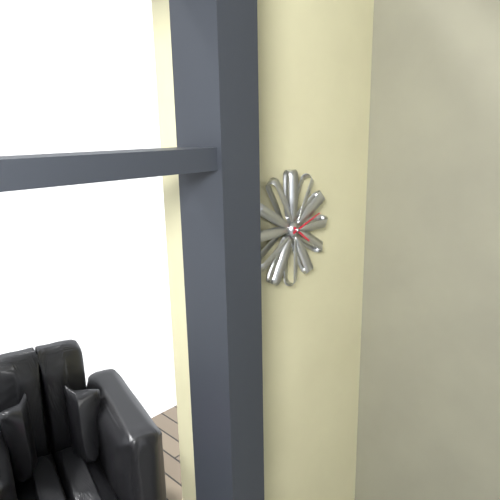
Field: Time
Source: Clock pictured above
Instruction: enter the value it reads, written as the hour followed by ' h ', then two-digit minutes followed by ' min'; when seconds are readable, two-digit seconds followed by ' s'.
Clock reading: 4 h 12 min
